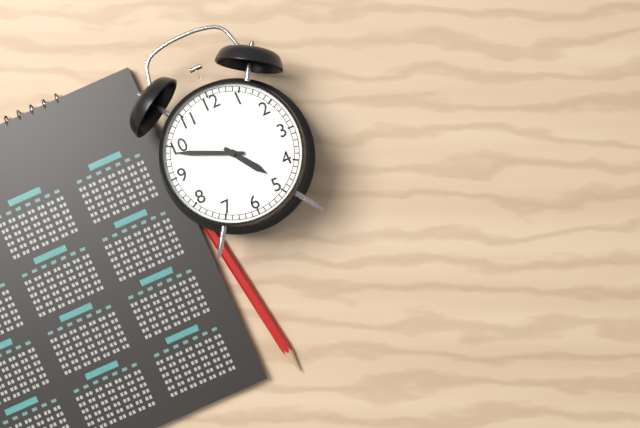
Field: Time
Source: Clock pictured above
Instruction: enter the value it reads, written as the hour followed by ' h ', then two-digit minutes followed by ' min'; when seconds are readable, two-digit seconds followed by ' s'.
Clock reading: 4 h 49 min
